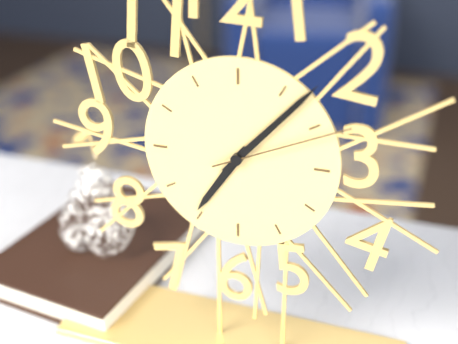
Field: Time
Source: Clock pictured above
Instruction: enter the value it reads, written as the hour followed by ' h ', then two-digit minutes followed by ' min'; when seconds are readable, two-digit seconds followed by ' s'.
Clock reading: 7 h 07 min 11 s
